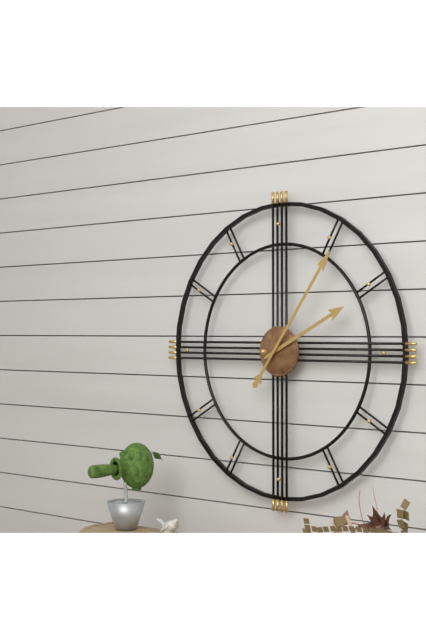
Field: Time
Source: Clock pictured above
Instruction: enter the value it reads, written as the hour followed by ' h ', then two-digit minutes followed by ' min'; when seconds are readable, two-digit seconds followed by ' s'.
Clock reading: 2 h 06 min
